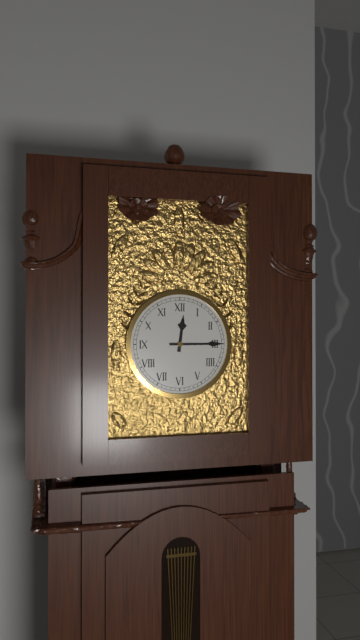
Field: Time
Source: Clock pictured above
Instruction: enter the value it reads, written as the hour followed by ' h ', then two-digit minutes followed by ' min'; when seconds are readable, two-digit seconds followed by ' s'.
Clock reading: 12 h 15 min
